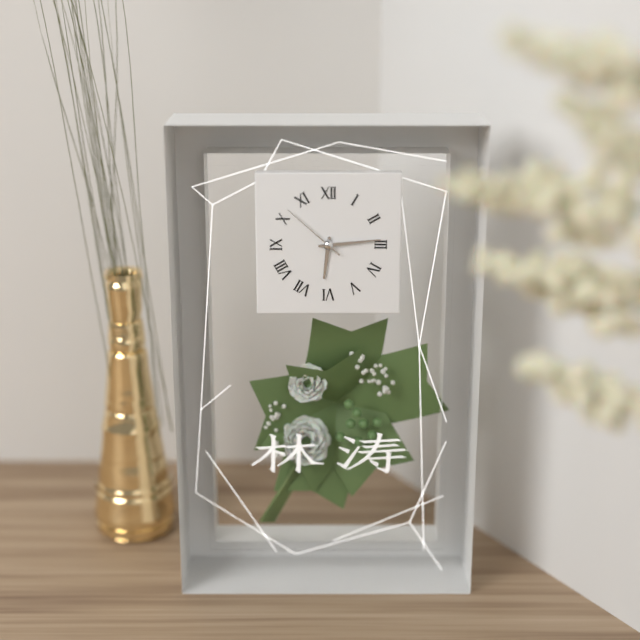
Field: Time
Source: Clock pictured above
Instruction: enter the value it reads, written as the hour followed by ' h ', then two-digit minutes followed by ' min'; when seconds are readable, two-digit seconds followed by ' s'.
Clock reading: 6 h 14 min 52 s
